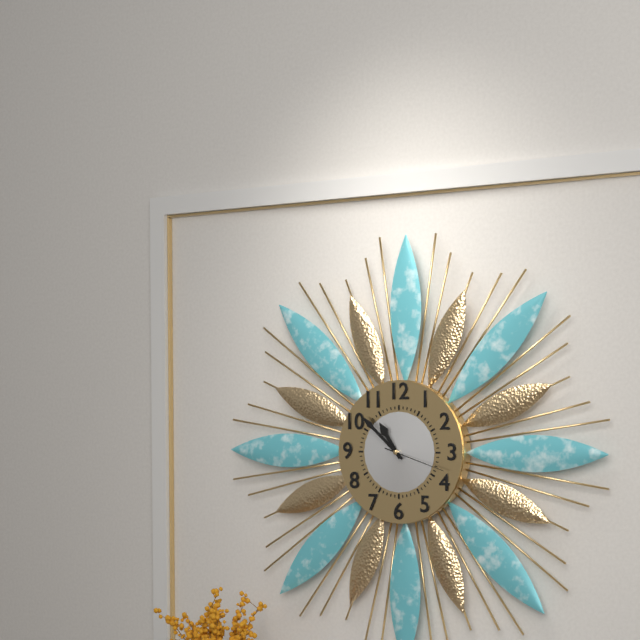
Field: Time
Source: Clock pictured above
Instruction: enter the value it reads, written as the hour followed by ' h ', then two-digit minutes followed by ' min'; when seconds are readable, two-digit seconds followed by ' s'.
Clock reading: 10 h 52 min
